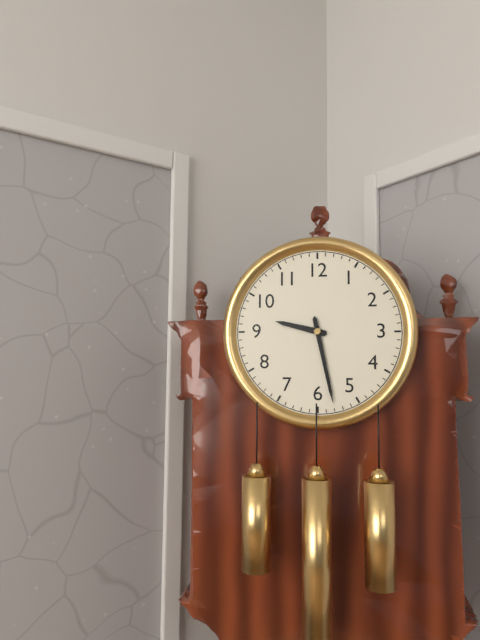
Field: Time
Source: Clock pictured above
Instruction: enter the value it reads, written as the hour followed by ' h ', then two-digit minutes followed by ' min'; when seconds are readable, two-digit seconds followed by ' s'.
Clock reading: 9 h 28 min
